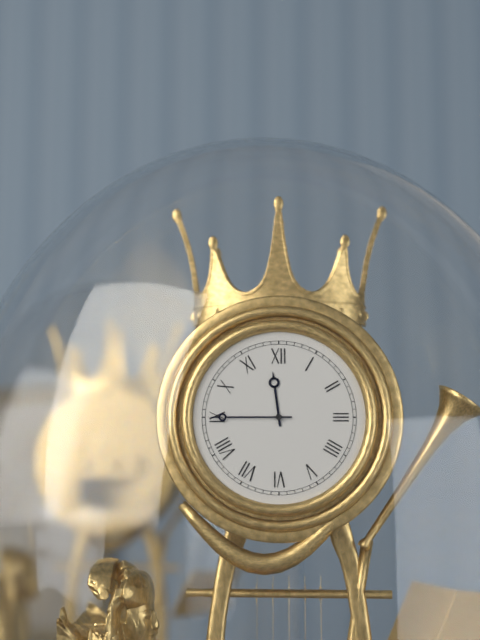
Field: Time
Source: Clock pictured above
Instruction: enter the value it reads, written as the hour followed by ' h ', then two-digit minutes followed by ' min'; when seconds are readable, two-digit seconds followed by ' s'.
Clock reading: 11 h 45 min
